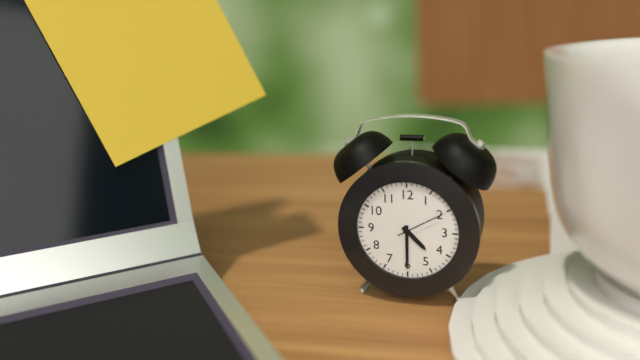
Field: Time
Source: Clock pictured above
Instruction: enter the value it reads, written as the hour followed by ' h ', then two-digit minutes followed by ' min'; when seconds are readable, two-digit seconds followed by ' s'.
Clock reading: 4 h 30 min 10 s
